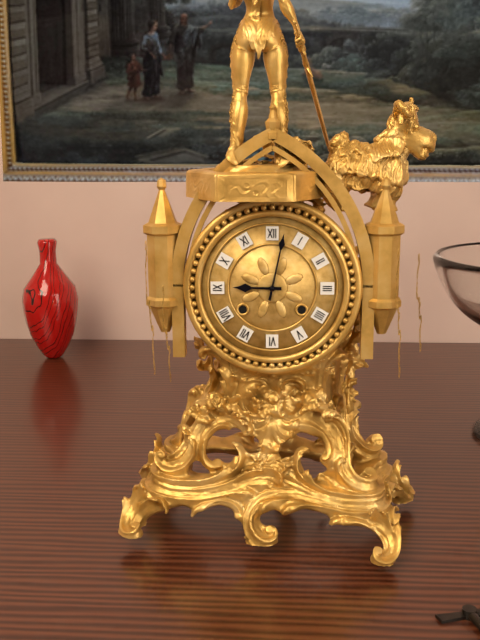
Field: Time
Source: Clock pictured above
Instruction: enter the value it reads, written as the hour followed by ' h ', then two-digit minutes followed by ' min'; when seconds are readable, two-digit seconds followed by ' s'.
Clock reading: 9 h 02 min
